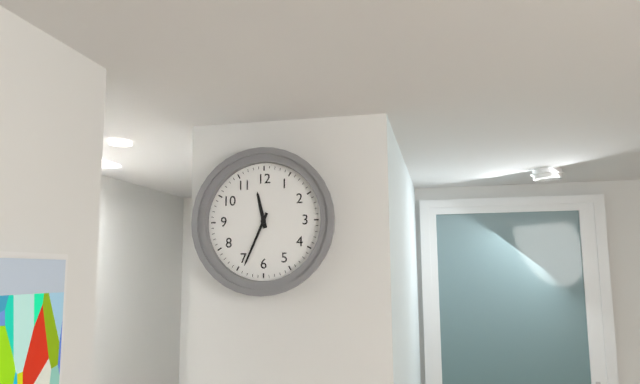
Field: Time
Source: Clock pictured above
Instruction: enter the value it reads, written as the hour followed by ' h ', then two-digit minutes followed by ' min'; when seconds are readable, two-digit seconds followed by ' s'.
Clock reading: 11 h 34 min
